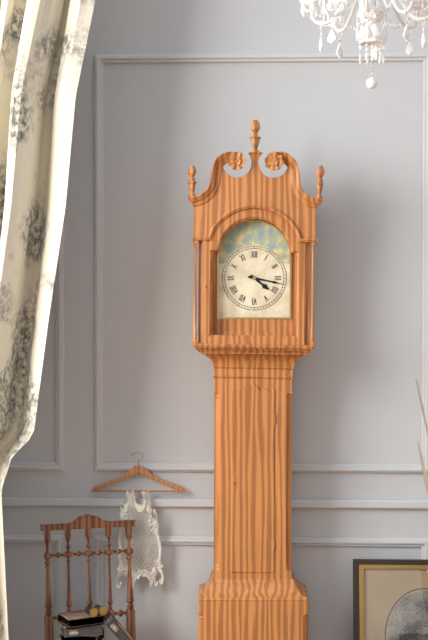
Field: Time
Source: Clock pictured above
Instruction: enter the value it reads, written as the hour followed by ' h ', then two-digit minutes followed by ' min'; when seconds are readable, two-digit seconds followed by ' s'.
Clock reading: 4 h 17 min
